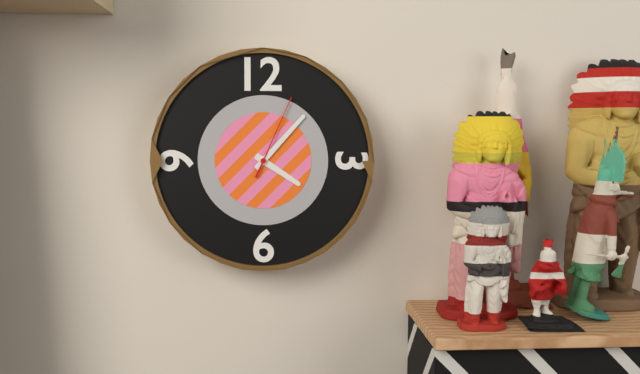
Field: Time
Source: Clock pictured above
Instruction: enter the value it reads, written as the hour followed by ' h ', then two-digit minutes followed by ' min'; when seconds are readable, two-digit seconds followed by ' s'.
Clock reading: 4 h 07 min 04 s
